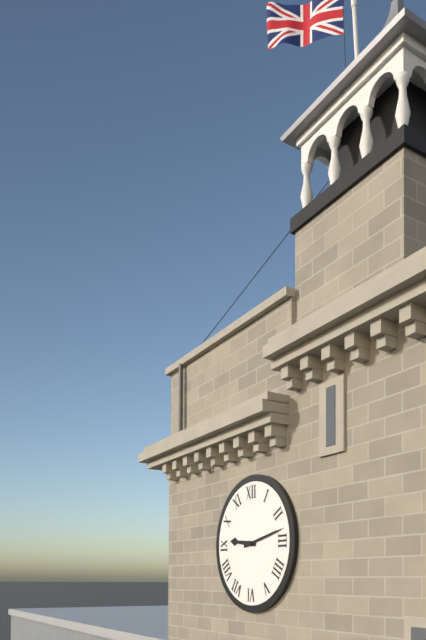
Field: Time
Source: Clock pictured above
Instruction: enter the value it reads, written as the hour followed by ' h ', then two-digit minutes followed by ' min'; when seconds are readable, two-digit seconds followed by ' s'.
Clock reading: 9 h 13 min
